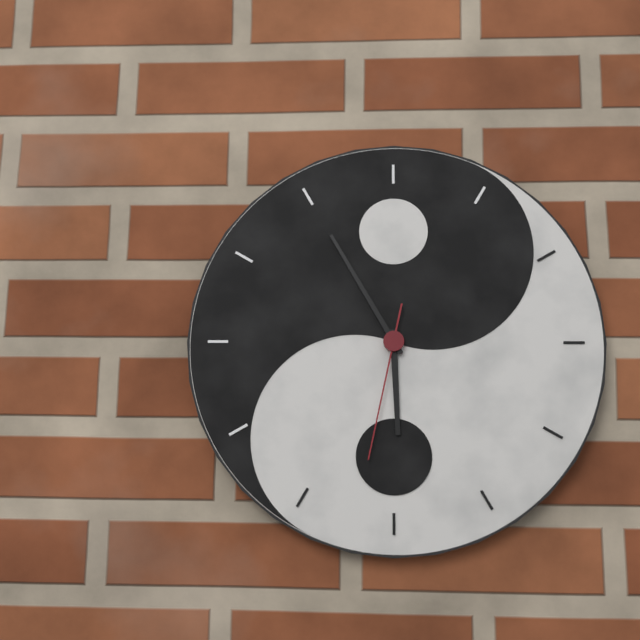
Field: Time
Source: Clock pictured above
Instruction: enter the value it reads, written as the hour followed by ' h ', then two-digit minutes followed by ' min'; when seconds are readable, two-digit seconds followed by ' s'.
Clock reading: 5 h 55 min 32 s
